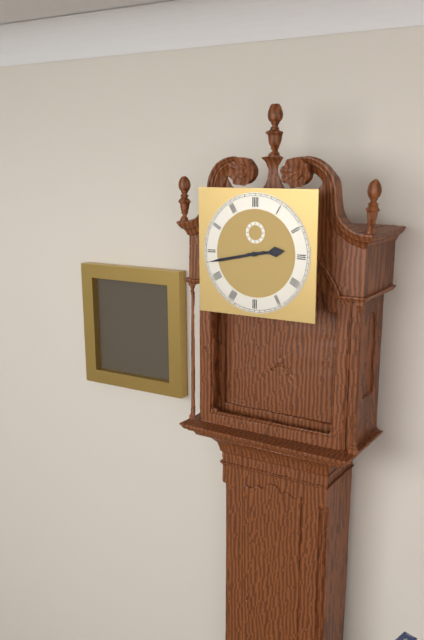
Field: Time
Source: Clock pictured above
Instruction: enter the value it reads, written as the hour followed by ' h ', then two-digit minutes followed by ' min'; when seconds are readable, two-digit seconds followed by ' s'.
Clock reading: 2 h 43 min
